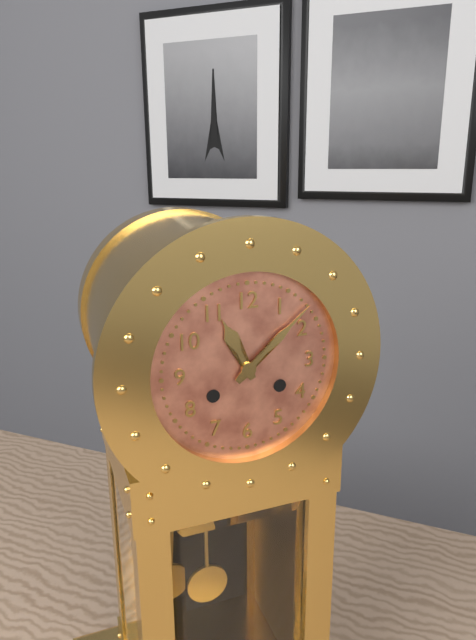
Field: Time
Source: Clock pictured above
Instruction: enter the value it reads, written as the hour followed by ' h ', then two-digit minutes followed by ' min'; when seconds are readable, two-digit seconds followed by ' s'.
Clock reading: 11 h 08 min
